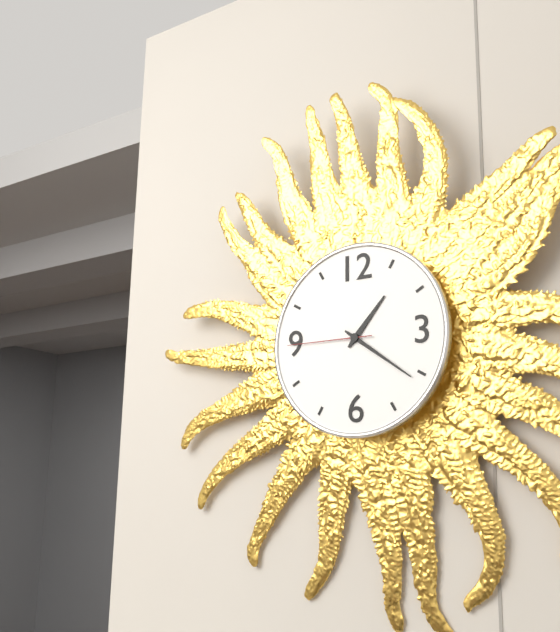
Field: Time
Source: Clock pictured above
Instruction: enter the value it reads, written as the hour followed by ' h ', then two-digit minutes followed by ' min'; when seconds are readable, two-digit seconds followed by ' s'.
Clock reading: 1 h 21 min 45 s
